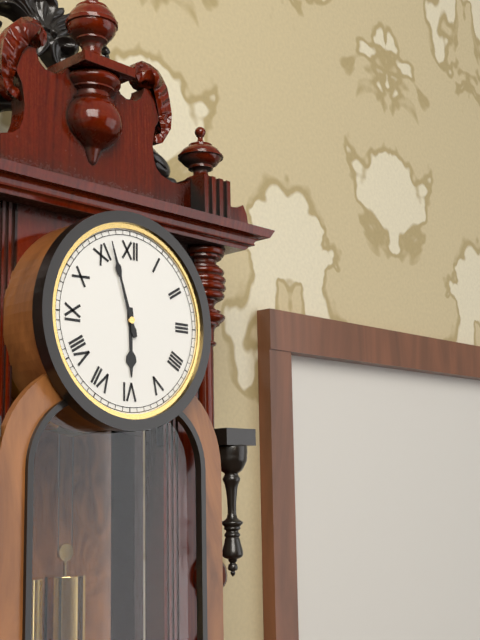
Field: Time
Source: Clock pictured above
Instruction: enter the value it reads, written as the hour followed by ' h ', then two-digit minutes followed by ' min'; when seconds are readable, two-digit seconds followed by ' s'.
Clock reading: 5 h 57 min
